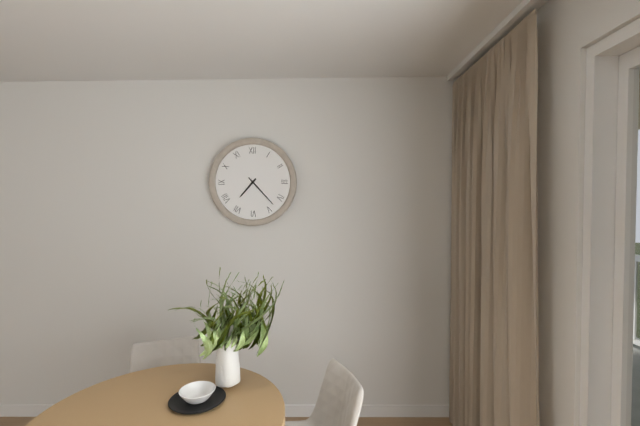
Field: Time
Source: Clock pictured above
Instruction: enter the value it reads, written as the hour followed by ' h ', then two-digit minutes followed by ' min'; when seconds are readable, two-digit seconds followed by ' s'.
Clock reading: 7 h 23 min
